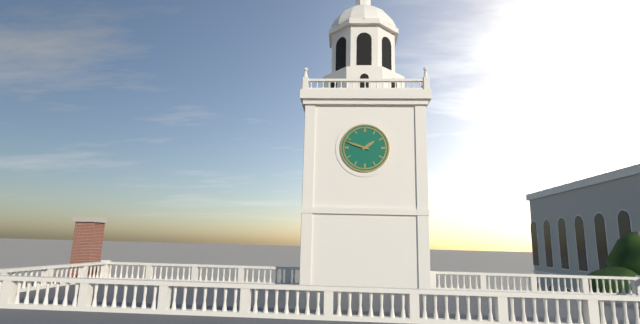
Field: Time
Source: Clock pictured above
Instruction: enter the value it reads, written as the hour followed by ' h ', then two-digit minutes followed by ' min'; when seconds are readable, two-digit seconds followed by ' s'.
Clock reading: 1 h 48 min
